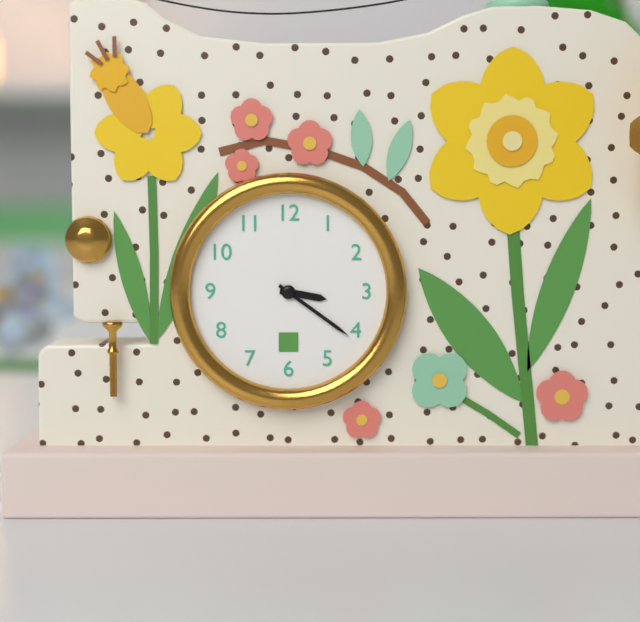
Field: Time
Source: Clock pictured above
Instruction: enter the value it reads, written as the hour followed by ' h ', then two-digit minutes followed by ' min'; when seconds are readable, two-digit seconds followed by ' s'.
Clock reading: 3 h 21 min
